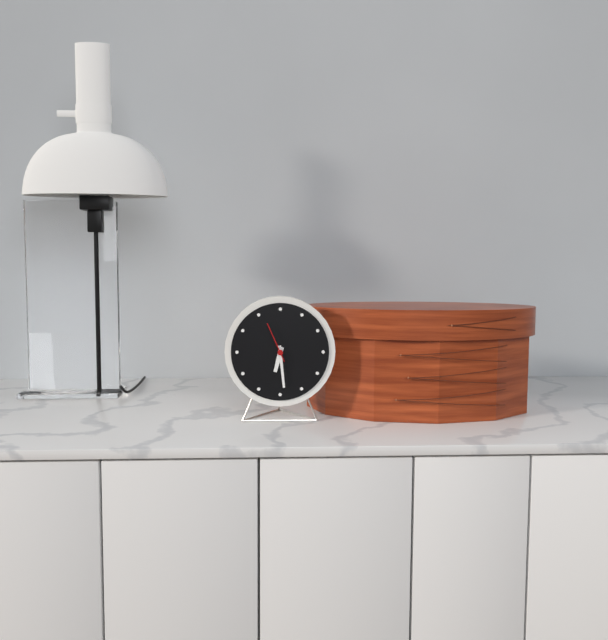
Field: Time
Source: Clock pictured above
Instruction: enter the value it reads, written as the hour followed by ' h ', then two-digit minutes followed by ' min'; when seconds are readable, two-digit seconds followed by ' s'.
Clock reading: 6 h 29 min
